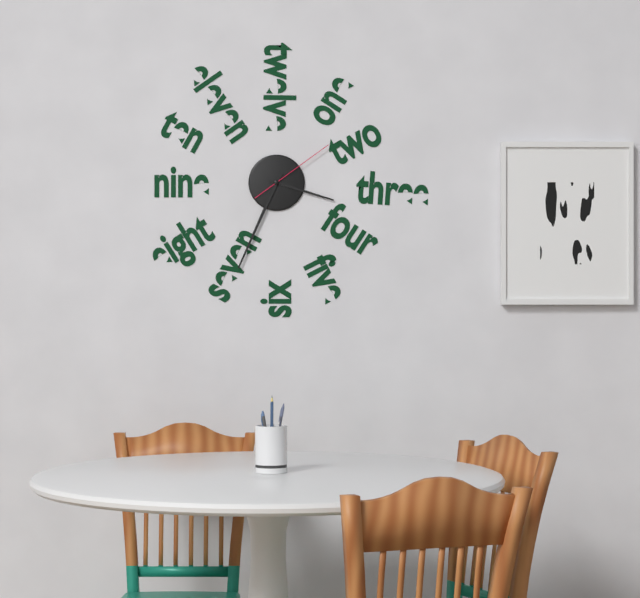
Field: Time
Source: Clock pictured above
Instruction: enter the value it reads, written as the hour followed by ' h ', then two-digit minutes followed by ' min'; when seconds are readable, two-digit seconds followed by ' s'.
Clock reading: 3 h 34 min 09 s
